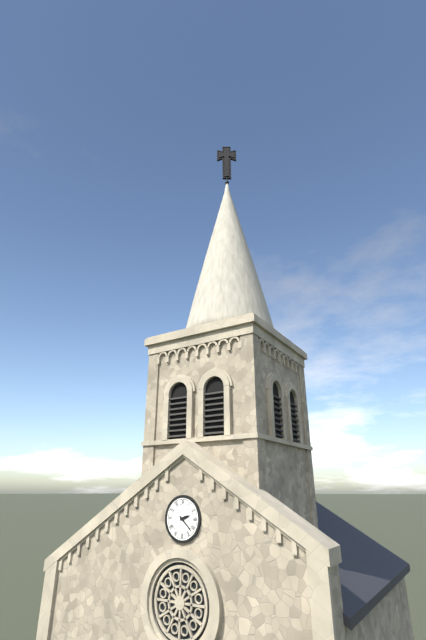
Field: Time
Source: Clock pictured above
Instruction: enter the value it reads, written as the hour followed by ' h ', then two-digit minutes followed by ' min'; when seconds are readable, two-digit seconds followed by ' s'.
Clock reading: 2 h 22 min
